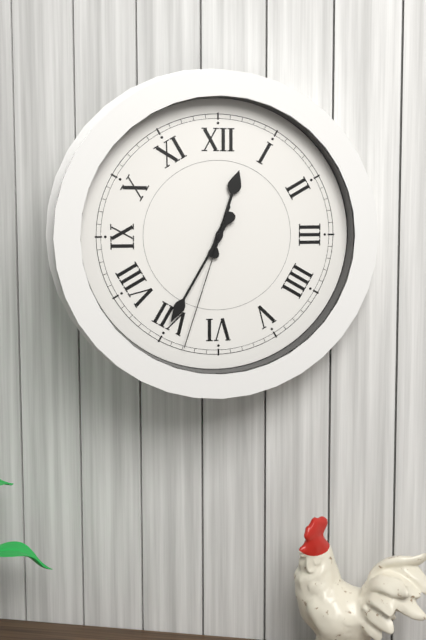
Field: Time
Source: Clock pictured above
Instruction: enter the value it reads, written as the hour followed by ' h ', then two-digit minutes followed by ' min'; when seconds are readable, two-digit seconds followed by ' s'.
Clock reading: 12 h 35 min 33 s
